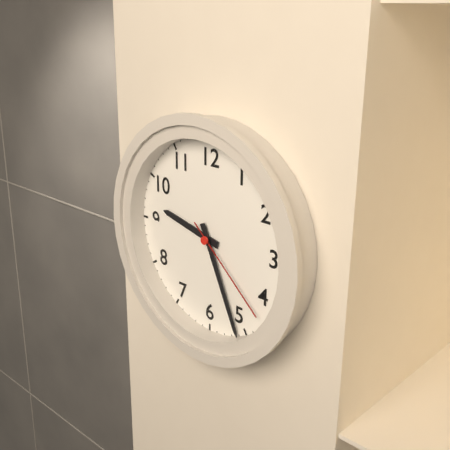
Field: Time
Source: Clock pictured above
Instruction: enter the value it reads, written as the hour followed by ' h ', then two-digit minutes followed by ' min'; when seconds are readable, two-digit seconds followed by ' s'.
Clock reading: 9 h 26 min 22 s
